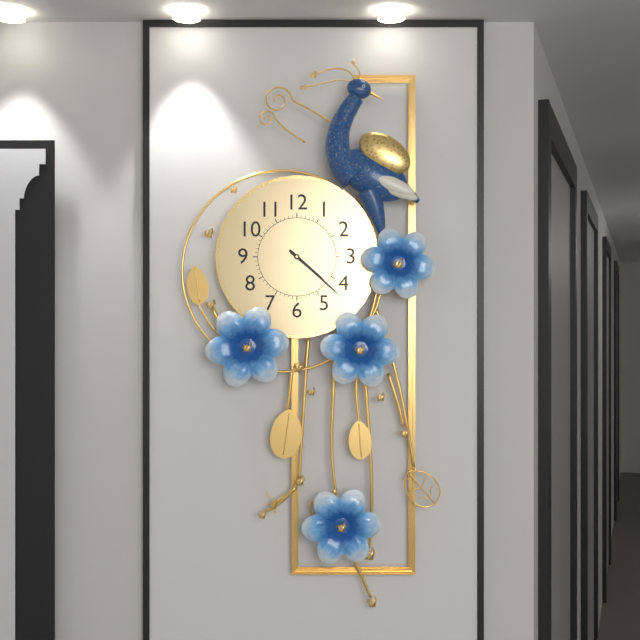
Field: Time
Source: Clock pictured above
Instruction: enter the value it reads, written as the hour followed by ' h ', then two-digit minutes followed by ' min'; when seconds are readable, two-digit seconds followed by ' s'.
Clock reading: 4 h 22 min
